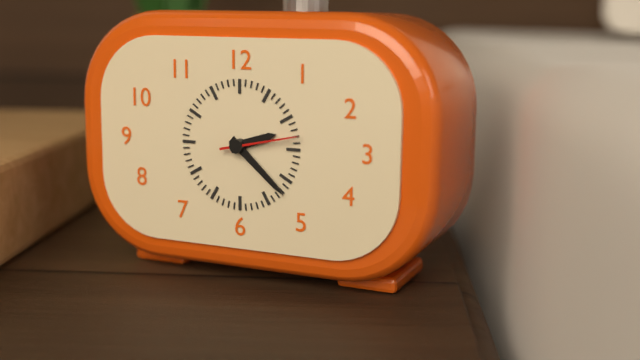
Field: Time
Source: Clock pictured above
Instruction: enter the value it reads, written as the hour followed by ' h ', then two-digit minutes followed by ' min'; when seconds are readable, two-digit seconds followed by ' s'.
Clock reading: 2 h 22 min 13 s
